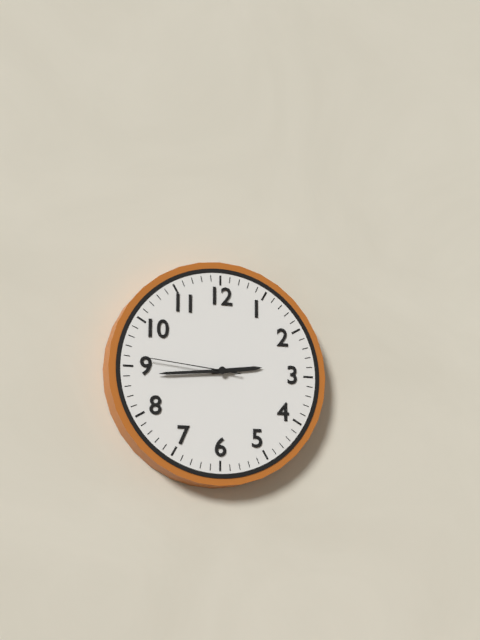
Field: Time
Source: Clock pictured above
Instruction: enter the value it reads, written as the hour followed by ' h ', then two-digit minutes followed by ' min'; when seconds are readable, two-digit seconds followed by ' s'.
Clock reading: 2 h 44 min 46 s
